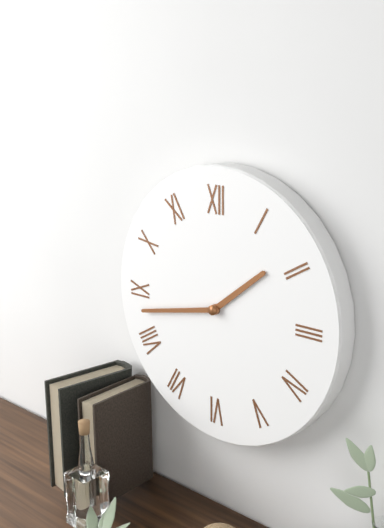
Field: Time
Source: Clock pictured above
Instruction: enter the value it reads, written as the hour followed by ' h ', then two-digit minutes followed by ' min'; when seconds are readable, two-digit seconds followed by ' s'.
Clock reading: 1 h 43 min
